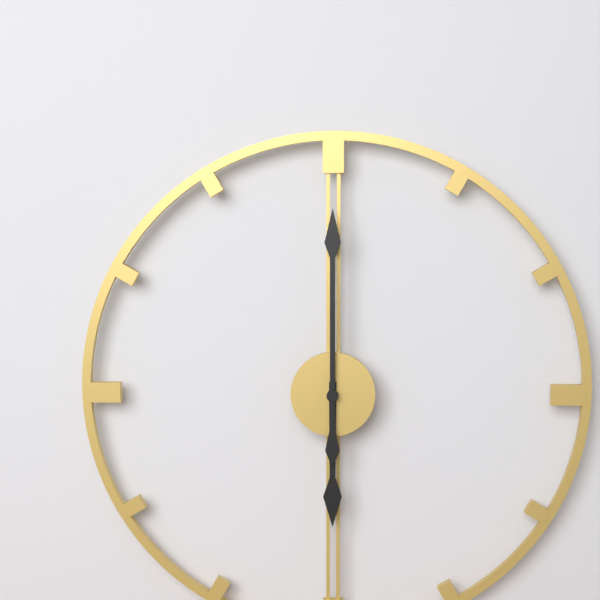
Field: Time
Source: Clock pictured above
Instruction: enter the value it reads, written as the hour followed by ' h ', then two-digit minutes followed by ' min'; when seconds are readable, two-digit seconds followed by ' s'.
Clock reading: 6 h 00 min
